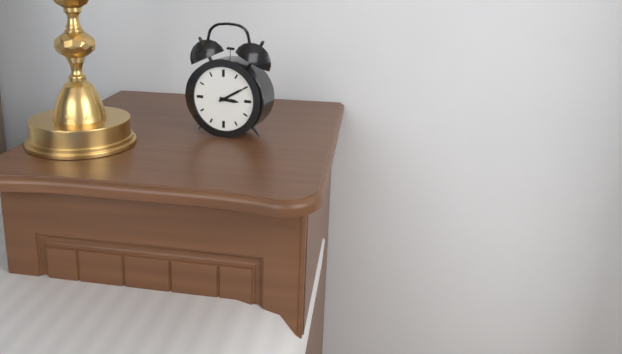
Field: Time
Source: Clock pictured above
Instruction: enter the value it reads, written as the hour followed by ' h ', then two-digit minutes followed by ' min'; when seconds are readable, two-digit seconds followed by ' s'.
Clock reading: 3 h 10 min
